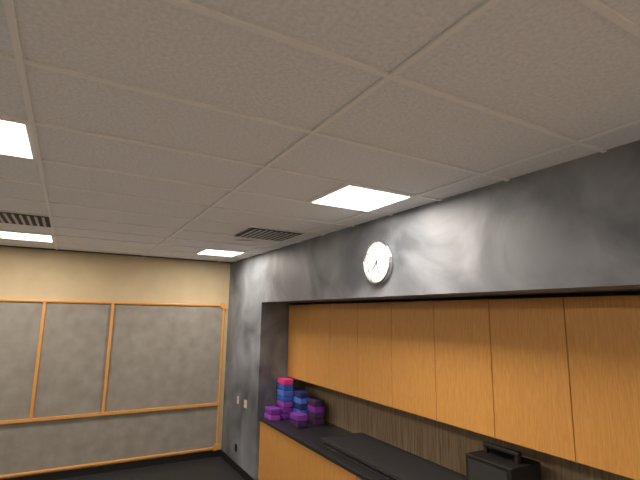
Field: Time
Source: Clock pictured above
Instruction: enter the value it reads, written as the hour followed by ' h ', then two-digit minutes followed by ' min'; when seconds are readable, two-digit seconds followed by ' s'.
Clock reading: 7 h 27 min
